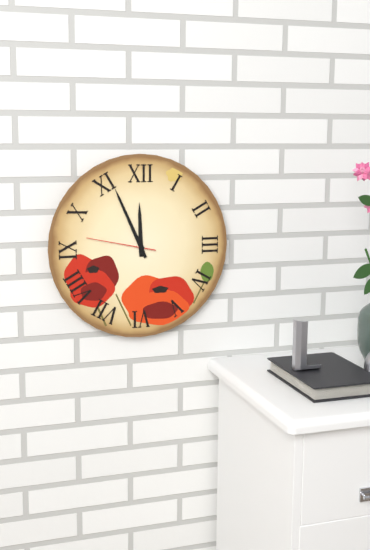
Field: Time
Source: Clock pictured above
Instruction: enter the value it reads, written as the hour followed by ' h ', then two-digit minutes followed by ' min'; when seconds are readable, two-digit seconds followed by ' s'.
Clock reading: 11 h 56 min 47 s
